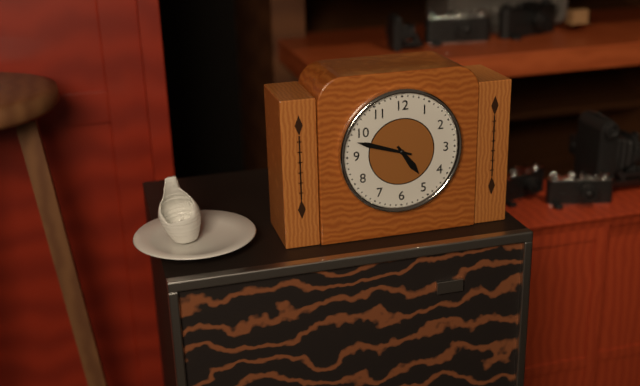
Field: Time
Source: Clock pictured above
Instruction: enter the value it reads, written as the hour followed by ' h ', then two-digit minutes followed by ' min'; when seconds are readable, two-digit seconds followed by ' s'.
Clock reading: 4 h 48 min
